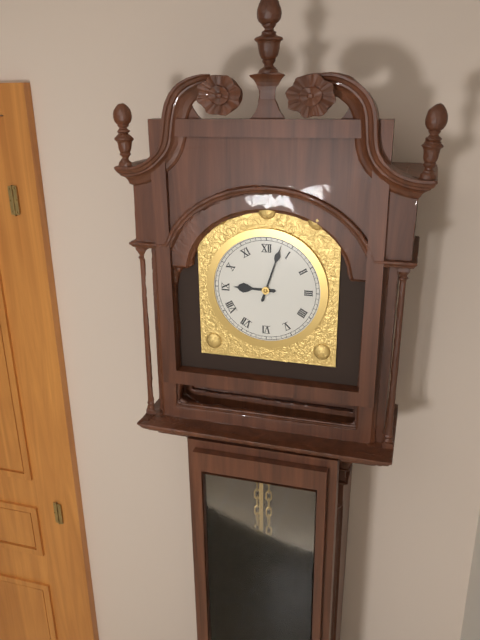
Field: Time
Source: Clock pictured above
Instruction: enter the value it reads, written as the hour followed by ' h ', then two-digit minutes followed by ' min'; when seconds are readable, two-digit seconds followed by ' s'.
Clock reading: 9 h 03 min
